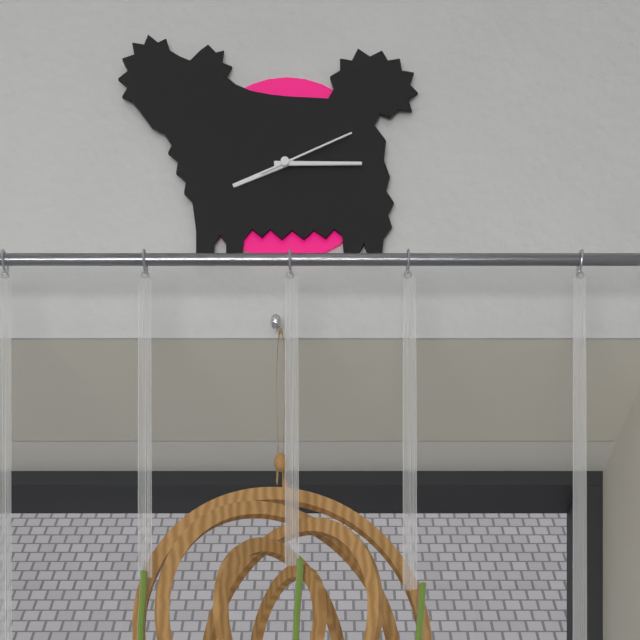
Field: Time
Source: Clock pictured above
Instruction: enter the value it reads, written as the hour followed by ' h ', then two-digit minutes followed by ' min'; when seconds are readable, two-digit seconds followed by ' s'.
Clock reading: 8 h 15 min 11 s
